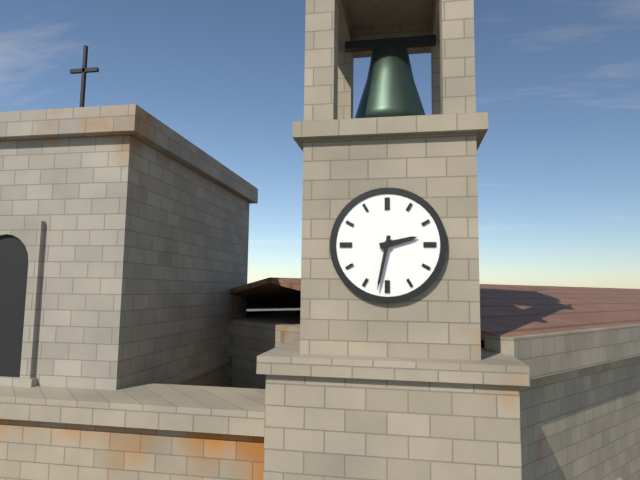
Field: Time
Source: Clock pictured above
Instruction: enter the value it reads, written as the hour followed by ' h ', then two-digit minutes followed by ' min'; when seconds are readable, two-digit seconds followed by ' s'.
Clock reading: 2 h 32 min
